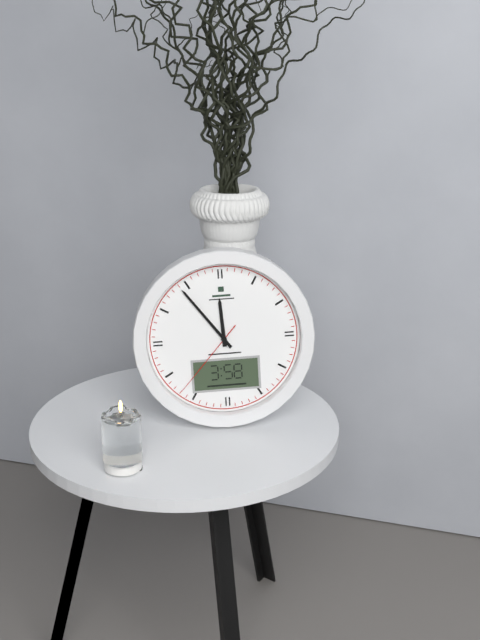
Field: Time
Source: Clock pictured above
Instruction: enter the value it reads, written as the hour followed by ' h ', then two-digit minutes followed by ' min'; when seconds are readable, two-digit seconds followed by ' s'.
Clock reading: 11 h 54 min 37 s
